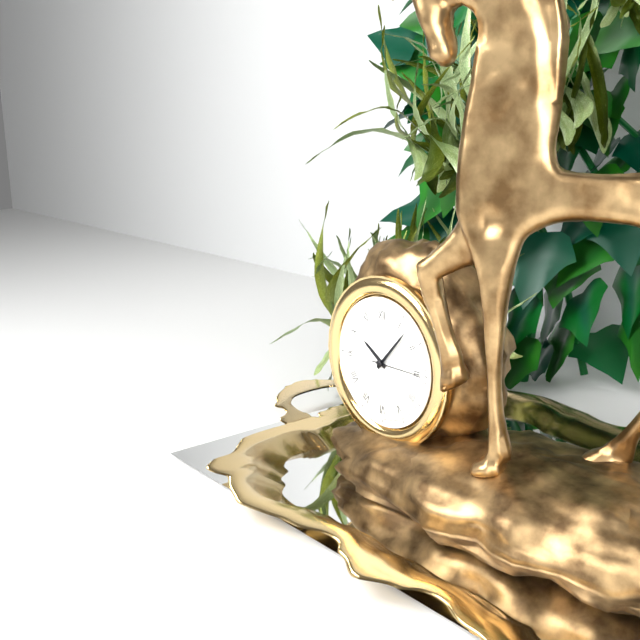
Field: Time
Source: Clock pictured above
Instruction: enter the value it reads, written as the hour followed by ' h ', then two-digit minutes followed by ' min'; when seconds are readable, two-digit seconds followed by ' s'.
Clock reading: 10 h 07 min 15 s
